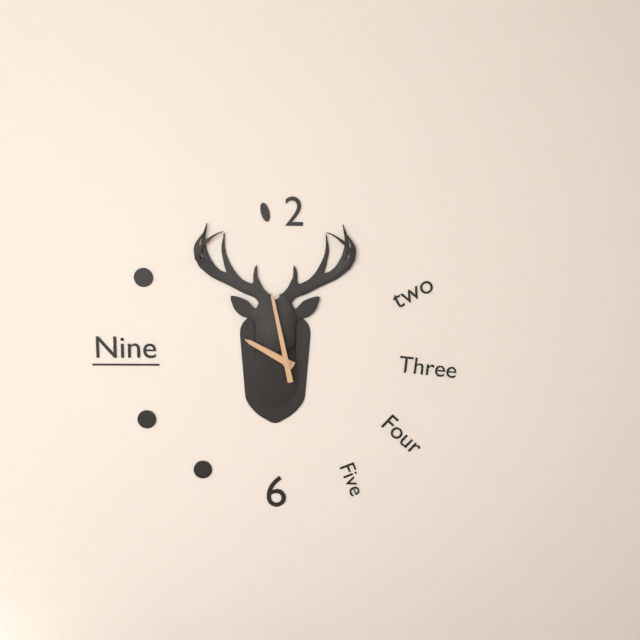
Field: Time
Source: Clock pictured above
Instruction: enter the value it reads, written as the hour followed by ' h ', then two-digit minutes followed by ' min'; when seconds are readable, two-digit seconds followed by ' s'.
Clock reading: 9 h 58 min
